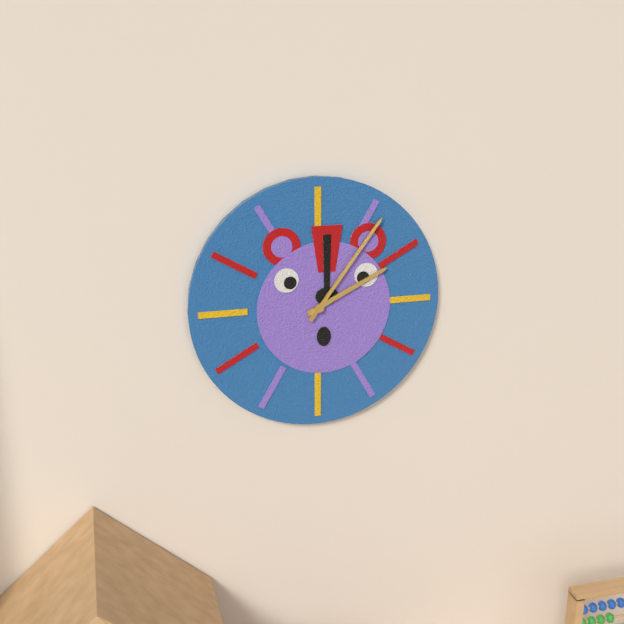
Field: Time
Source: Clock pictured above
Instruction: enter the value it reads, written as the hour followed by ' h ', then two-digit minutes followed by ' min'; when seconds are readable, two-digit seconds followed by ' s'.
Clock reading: 2 h 06 min
